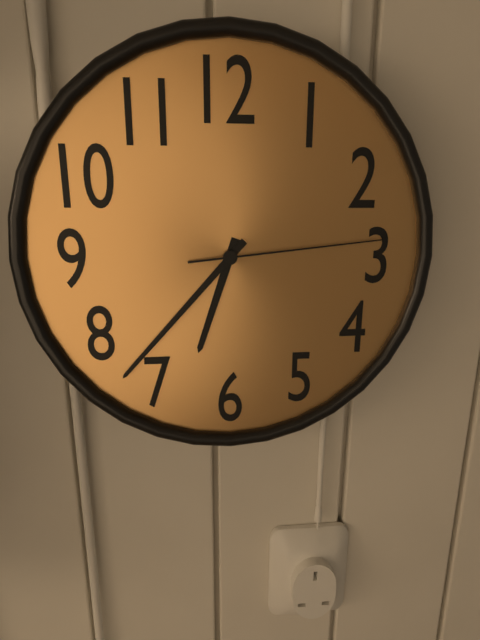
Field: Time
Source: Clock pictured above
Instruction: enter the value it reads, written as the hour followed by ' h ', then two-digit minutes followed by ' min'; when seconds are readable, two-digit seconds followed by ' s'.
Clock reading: 6 h 37 min 14 s
